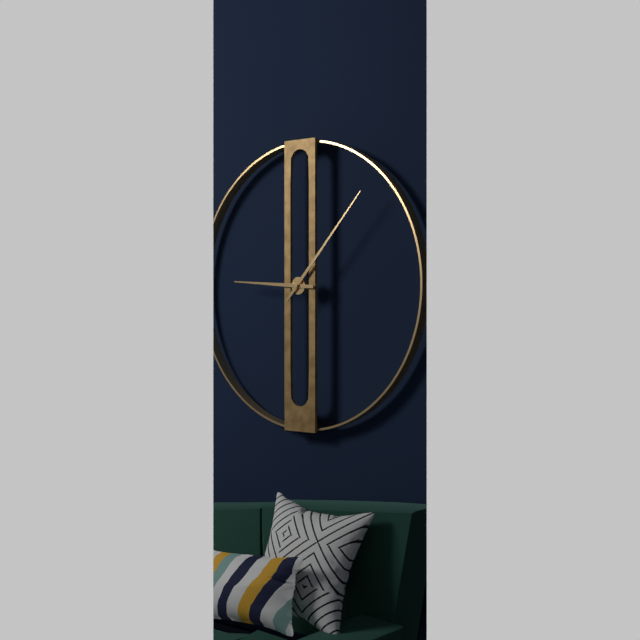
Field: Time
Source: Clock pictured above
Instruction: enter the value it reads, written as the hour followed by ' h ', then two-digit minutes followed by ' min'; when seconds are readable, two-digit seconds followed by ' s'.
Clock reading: 9 h 07 min
